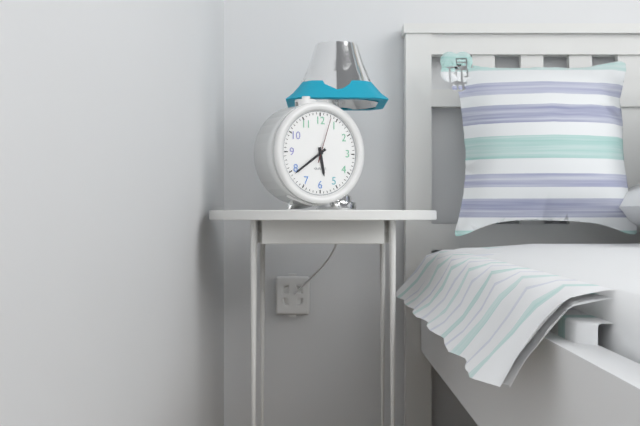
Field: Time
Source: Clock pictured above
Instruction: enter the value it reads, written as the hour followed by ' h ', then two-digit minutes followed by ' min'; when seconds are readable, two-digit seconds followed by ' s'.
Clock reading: 5 h 39 min
